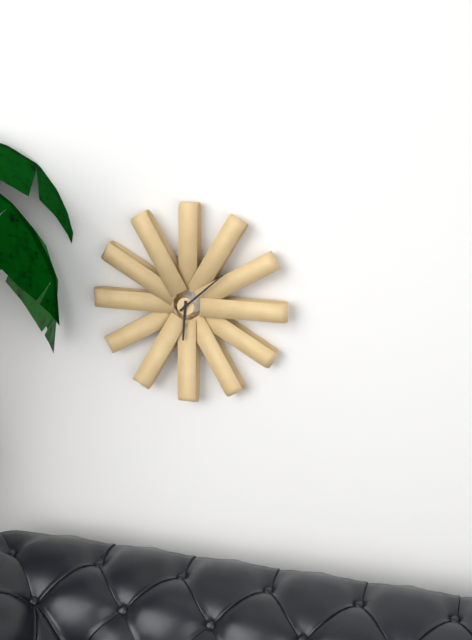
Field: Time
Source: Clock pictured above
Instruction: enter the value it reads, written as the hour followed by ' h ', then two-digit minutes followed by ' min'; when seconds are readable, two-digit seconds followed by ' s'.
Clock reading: 6 h 08 min
